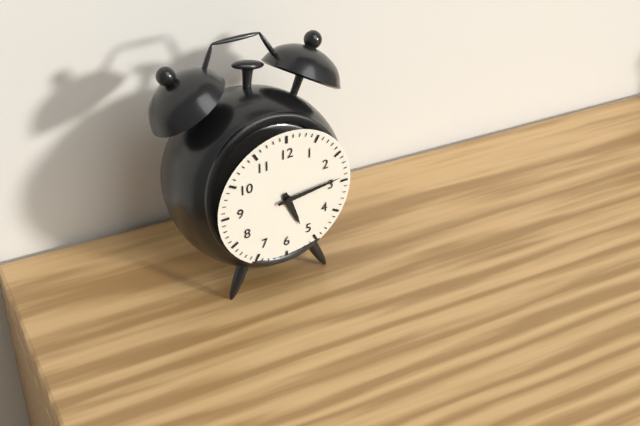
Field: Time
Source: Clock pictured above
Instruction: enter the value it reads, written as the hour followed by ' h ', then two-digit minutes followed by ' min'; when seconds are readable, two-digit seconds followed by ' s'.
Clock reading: 5 h 14 min
